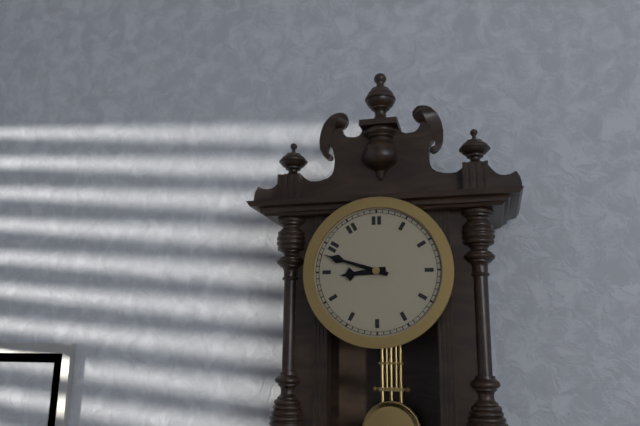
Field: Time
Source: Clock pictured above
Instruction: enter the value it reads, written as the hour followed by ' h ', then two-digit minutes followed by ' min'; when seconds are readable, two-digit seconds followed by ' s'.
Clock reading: 8 h 48 min
